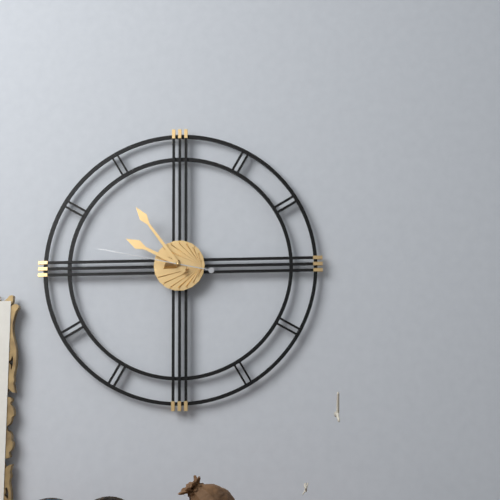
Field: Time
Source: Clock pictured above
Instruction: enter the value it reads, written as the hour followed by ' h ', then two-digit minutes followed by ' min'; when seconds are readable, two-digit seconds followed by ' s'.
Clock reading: 9 h 54 min 47 s
